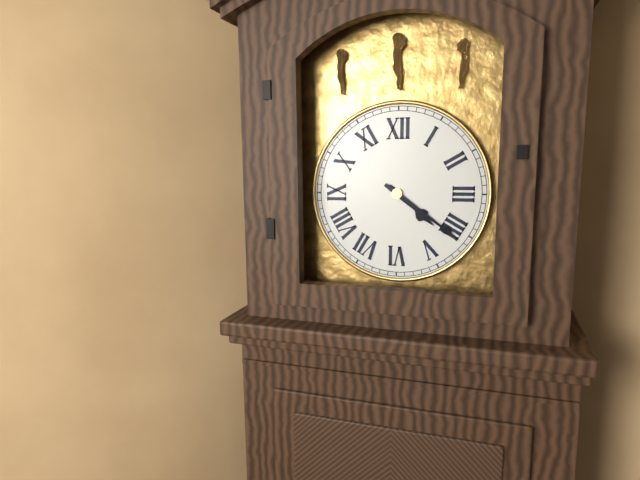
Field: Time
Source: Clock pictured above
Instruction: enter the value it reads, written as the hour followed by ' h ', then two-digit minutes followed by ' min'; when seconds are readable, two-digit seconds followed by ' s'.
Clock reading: 4 h 21 min
